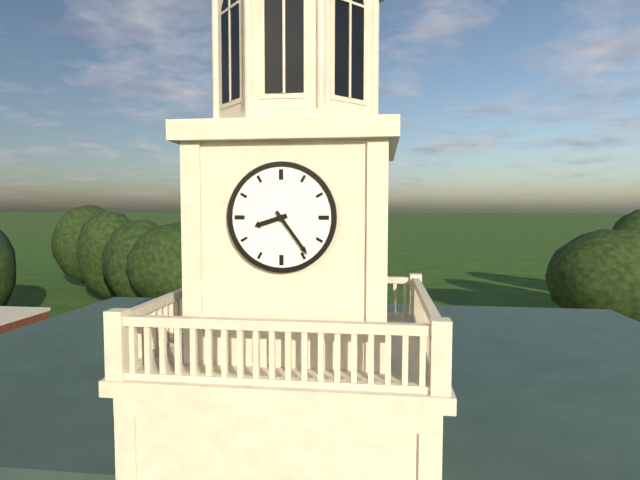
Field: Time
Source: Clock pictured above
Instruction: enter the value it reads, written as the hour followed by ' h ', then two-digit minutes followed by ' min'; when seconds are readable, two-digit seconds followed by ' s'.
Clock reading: 8 h 24 min
